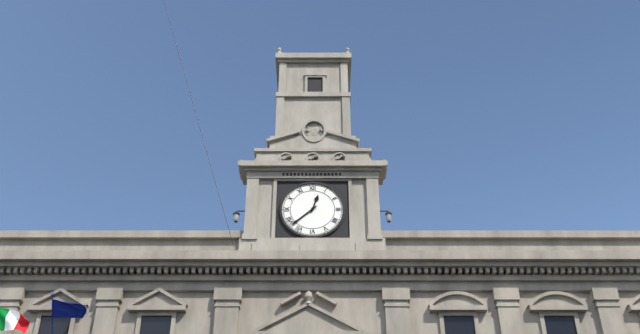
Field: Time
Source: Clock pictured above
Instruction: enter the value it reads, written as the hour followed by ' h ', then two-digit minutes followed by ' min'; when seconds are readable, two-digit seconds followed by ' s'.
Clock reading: 12 h 38 min
